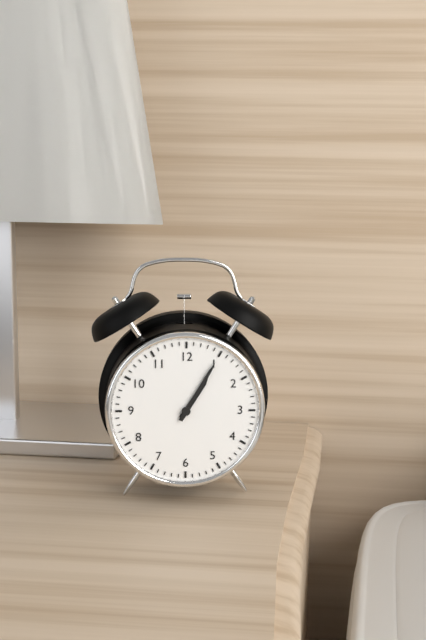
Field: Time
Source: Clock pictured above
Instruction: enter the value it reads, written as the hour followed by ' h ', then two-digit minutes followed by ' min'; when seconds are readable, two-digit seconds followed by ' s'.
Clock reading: 1 h 05 min
